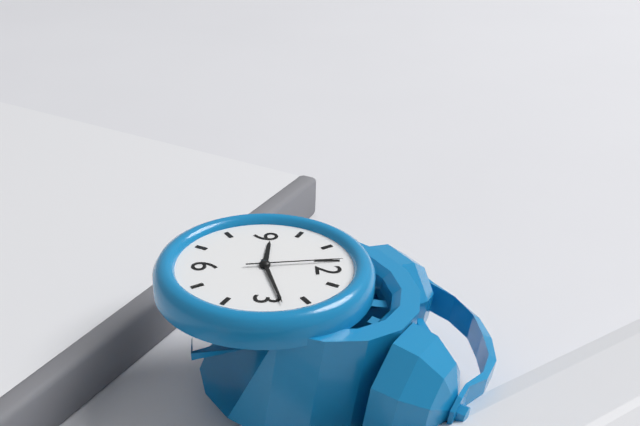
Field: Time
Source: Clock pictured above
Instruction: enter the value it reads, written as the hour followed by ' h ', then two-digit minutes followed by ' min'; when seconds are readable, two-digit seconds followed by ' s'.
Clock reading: 9 h 13 min 59 s
